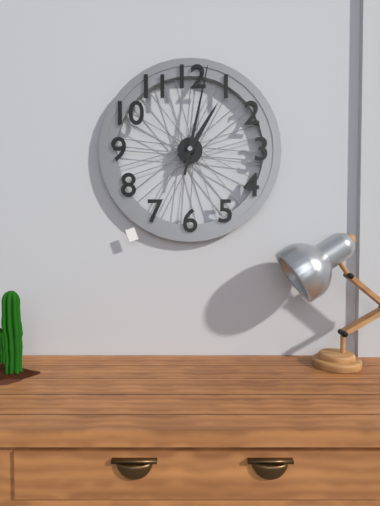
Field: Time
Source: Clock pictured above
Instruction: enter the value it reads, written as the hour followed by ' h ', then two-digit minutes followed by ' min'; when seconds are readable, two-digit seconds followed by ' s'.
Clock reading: 1 h 02 min
